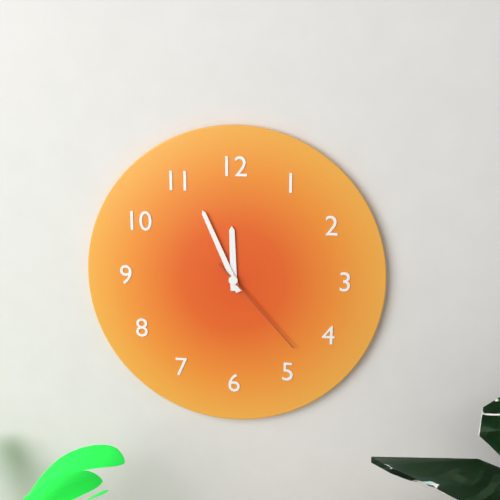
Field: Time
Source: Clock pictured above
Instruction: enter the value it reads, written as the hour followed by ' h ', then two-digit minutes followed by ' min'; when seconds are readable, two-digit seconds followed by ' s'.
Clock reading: 11 h 56 min 23 s
